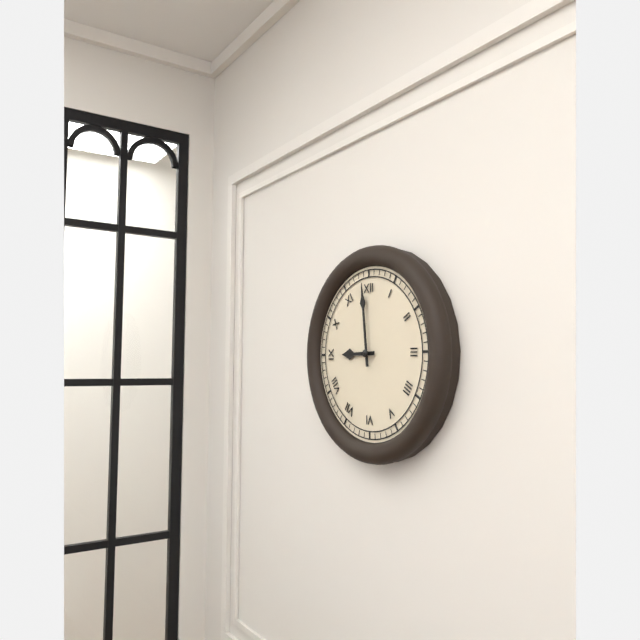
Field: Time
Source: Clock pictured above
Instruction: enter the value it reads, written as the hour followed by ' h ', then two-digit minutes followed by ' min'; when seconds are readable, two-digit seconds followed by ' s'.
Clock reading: 8 h 59 min
